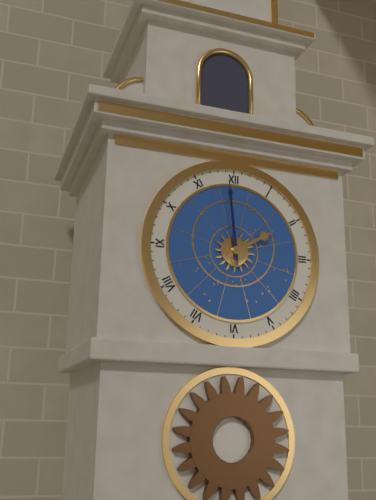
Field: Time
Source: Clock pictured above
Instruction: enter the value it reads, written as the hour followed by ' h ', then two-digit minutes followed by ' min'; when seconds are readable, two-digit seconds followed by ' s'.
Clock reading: 1 h 59 min
